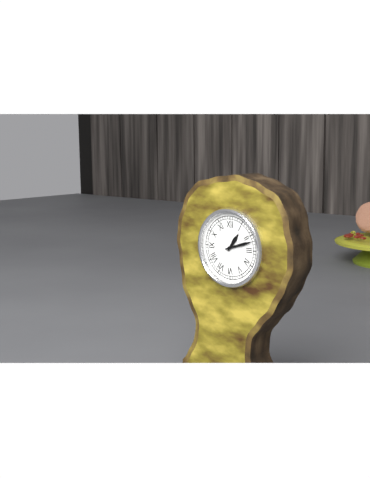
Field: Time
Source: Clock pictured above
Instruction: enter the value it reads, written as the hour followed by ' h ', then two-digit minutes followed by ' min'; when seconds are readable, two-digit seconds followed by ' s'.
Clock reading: 1 h 12 min
